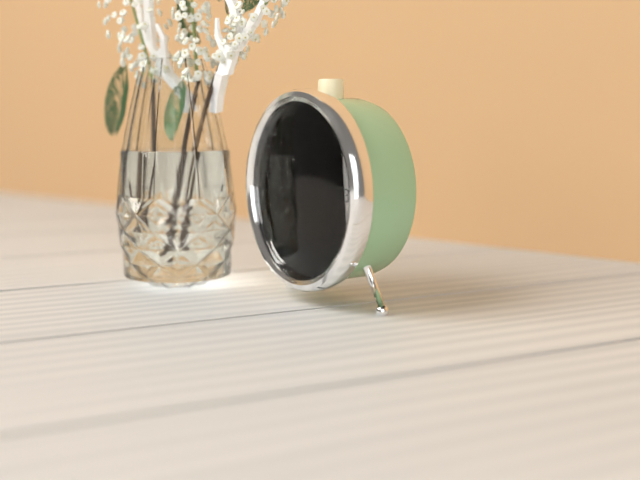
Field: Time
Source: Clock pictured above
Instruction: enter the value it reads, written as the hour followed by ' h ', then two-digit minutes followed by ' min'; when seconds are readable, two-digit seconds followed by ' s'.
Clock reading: 4 h 36 min
